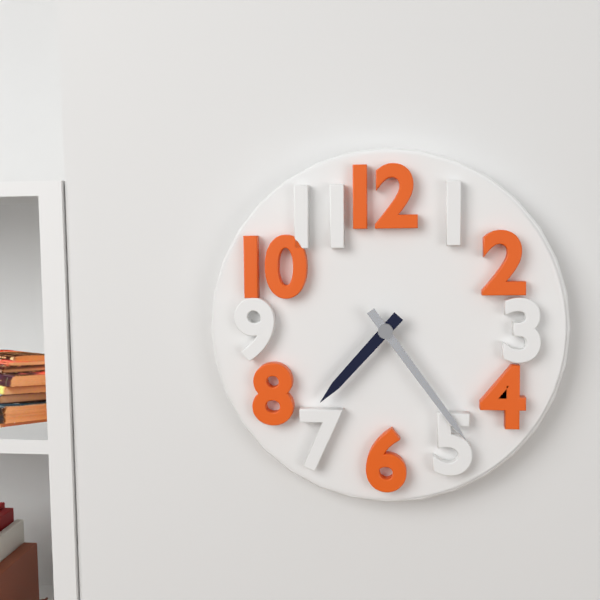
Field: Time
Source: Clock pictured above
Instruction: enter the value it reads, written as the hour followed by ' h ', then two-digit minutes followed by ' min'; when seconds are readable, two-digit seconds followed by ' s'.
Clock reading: 7 h 24 min
